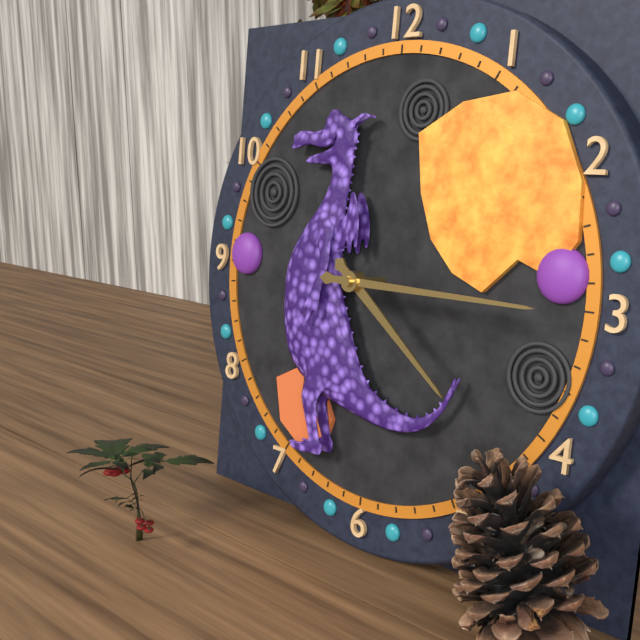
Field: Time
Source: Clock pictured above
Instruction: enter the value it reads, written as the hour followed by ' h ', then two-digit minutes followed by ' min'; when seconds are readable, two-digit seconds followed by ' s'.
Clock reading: 4 h 15 min
